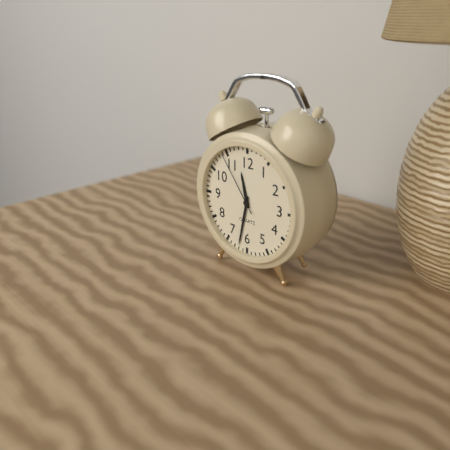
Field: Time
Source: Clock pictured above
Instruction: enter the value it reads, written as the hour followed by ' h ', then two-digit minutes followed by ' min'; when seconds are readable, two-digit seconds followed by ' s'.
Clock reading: 11 h 32 min 54 s
